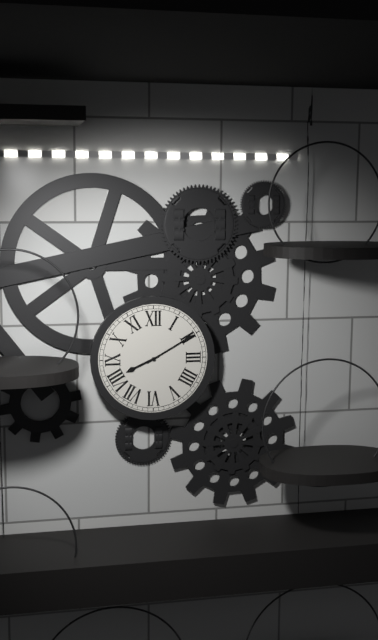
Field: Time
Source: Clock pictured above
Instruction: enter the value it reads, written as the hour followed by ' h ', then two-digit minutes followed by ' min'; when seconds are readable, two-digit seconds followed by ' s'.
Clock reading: 8 h 10 min
